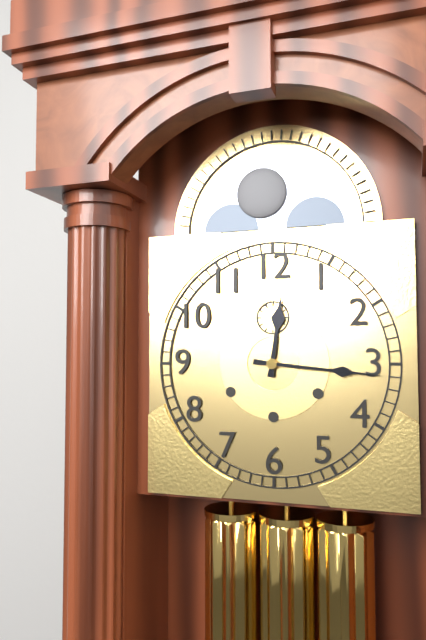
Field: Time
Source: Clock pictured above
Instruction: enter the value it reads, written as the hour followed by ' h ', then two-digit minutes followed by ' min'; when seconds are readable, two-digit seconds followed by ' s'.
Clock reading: 12 h 16 min
